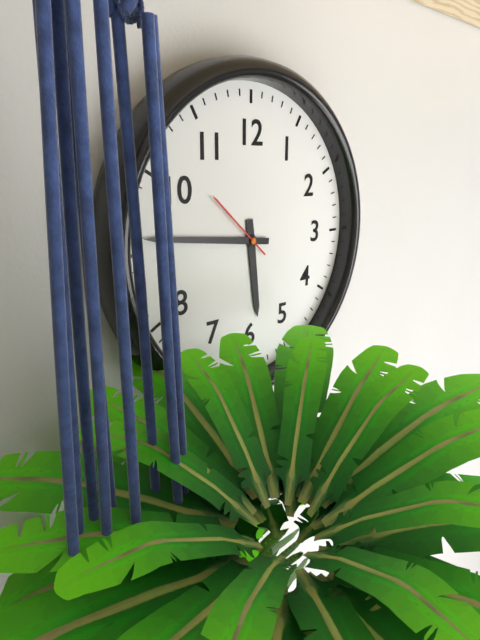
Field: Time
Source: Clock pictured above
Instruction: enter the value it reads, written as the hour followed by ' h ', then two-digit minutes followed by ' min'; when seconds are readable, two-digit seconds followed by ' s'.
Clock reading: 5 h 46 min 52 s
